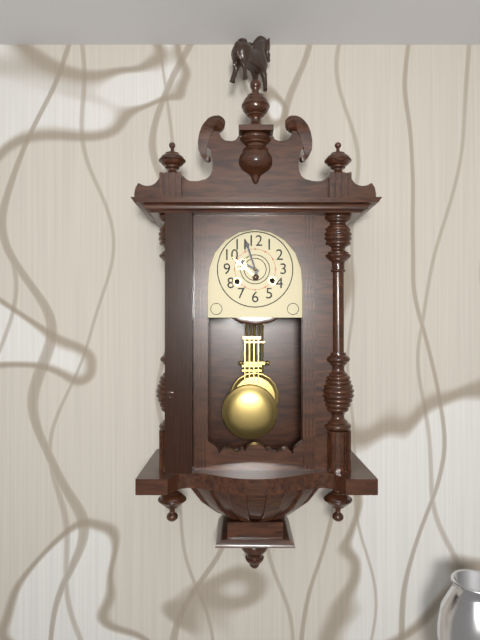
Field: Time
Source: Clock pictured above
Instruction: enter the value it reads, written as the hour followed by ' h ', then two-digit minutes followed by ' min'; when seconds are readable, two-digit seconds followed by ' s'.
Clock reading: 9 h 57 min
